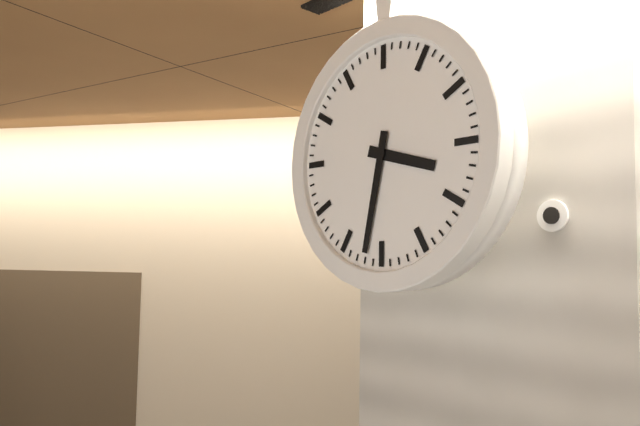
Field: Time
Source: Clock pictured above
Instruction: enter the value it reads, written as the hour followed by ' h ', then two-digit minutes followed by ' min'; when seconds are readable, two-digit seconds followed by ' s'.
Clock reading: 3 h 32 min
